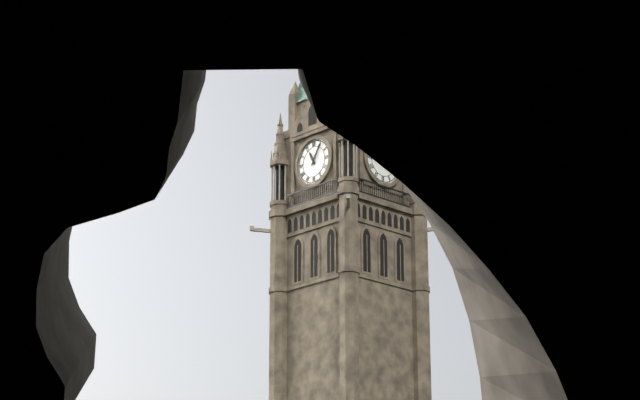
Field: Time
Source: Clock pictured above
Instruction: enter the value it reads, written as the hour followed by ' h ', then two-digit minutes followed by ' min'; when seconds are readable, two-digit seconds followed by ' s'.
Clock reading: 11 h 05 min
